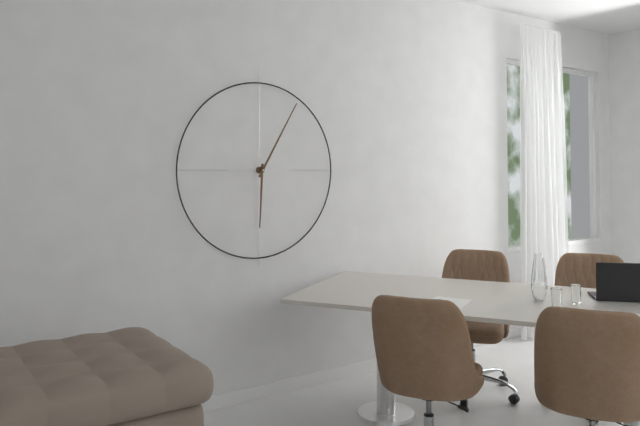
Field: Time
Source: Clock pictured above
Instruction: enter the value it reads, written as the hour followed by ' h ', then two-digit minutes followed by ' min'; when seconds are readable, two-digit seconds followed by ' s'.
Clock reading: 6 h 05 min
